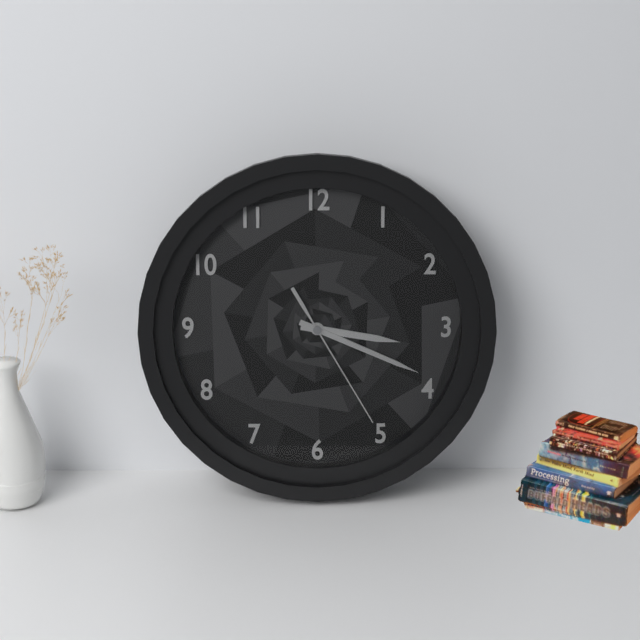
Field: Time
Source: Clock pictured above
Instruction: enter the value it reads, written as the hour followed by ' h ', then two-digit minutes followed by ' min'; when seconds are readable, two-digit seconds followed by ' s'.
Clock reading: 3 h 19 min 25 s
